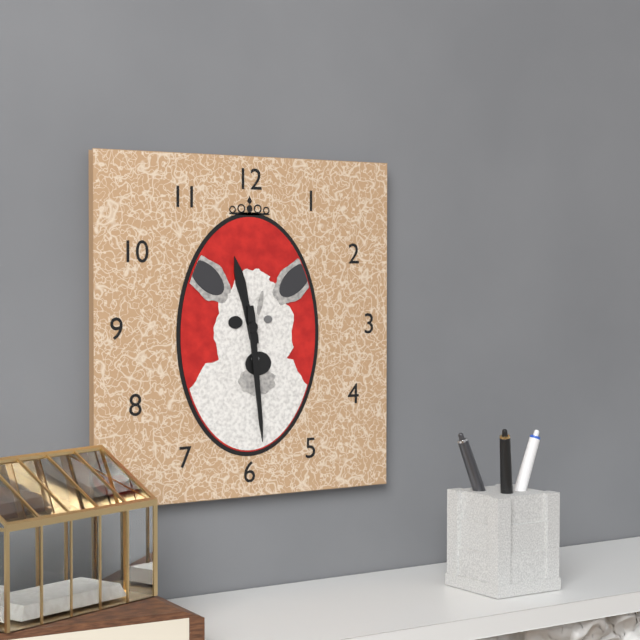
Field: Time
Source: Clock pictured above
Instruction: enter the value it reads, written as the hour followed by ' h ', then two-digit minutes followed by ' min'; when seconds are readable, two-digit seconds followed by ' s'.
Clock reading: 11 h 29 min
